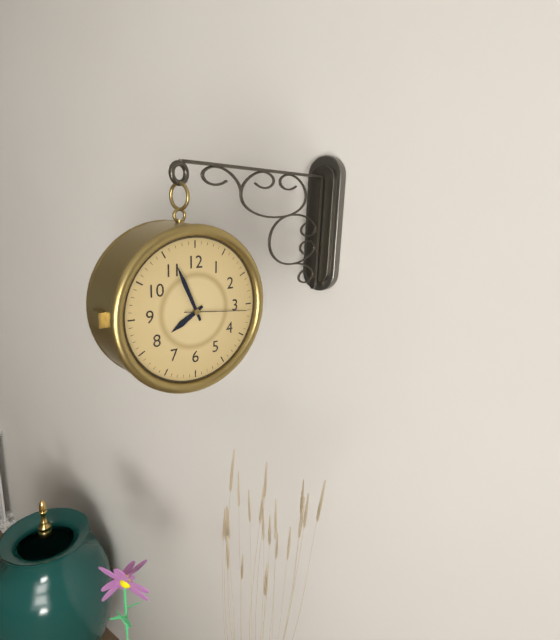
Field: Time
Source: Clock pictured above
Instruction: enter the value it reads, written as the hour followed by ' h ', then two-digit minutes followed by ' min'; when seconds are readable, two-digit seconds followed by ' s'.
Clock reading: 7 h 56 min 16 s
